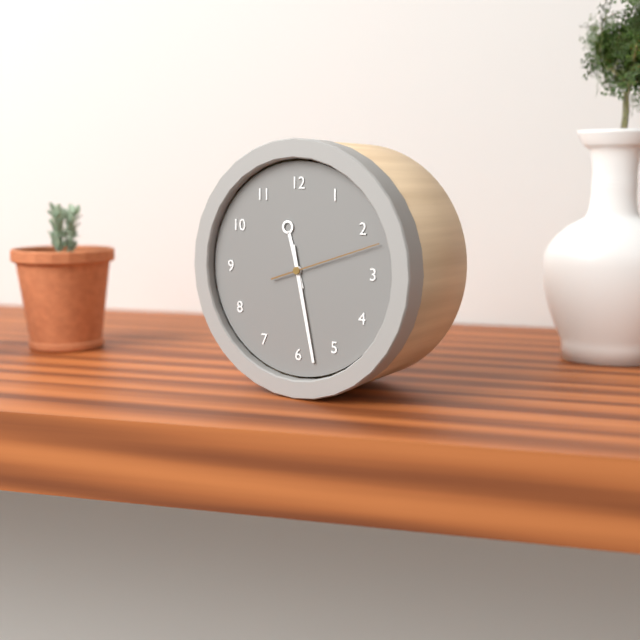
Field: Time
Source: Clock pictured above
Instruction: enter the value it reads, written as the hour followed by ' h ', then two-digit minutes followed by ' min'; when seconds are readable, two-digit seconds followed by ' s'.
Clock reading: 11 h 28 min 12 s
